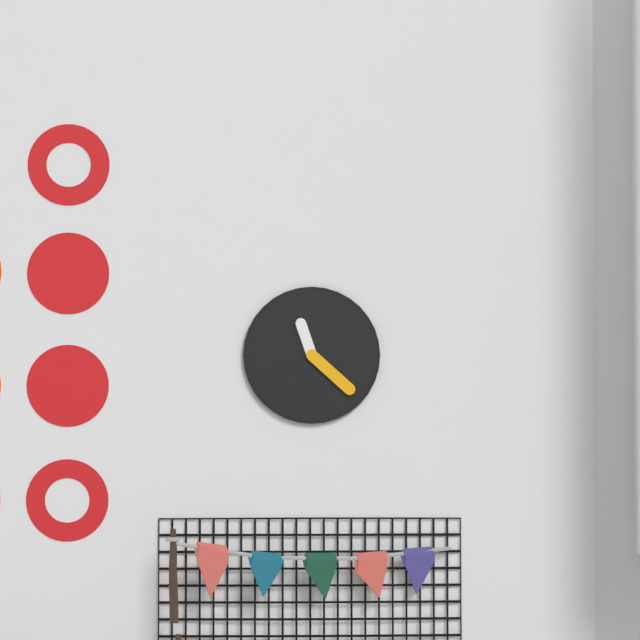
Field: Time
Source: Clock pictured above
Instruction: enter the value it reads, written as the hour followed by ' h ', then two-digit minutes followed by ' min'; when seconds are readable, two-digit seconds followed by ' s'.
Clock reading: 11 h 22 min
